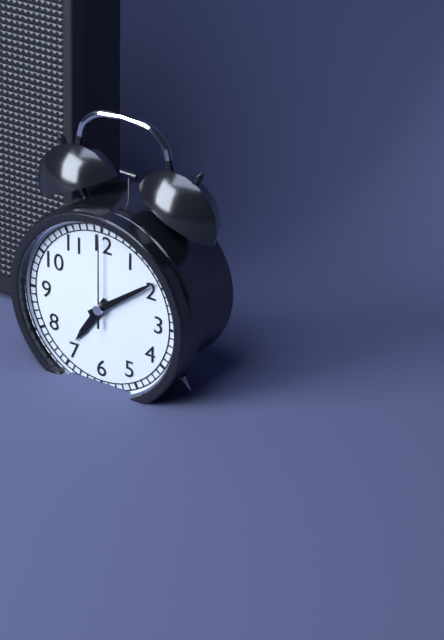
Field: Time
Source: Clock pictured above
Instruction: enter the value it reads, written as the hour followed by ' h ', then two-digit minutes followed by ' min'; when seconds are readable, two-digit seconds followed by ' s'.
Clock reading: 7 h 09 min 00 s
